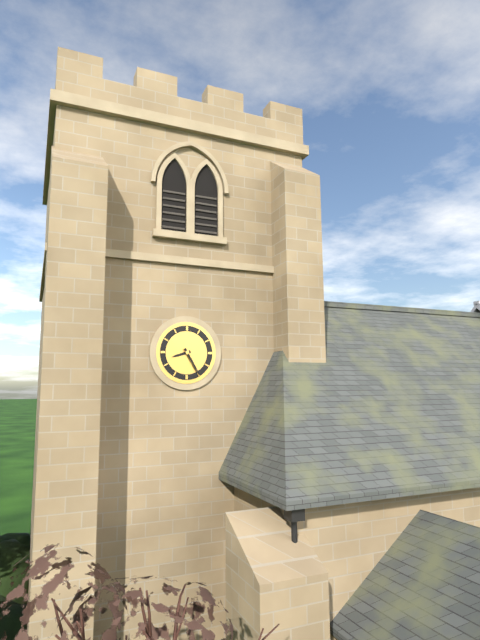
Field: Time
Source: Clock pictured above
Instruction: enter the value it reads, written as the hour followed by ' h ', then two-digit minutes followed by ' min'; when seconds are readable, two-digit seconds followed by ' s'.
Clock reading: 8 h 25 min
